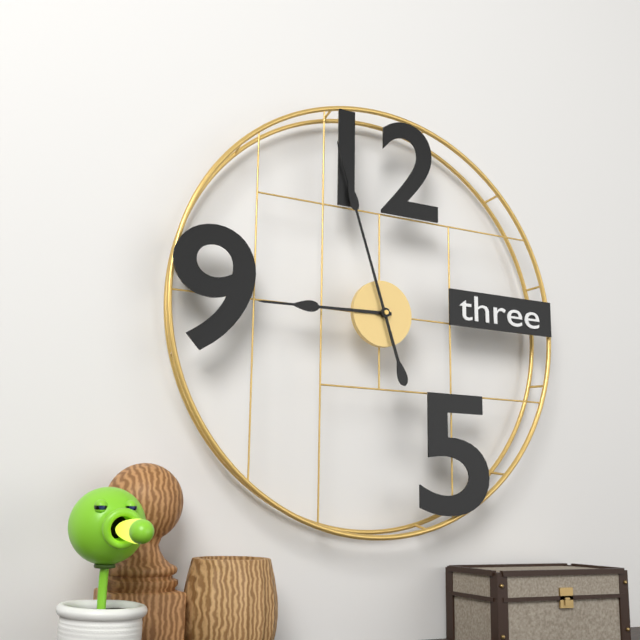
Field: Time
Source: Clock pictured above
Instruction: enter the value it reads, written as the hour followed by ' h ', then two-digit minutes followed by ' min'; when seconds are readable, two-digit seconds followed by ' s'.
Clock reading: 8 h 57 min
